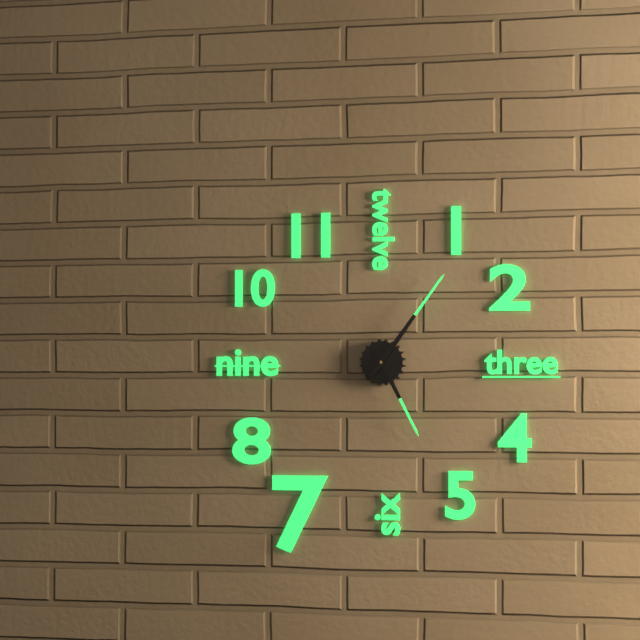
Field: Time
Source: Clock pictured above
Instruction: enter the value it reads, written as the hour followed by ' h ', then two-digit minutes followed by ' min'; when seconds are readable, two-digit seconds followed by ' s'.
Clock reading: 5 h 06 min
